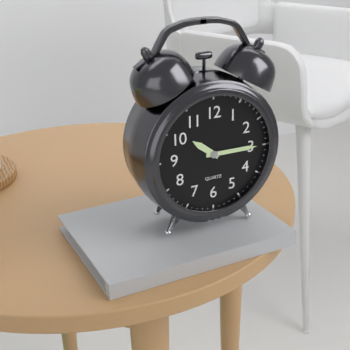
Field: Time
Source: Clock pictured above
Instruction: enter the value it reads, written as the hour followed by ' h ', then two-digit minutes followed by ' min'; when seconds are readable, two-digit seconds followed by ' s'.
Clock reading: 10 h 15 min
